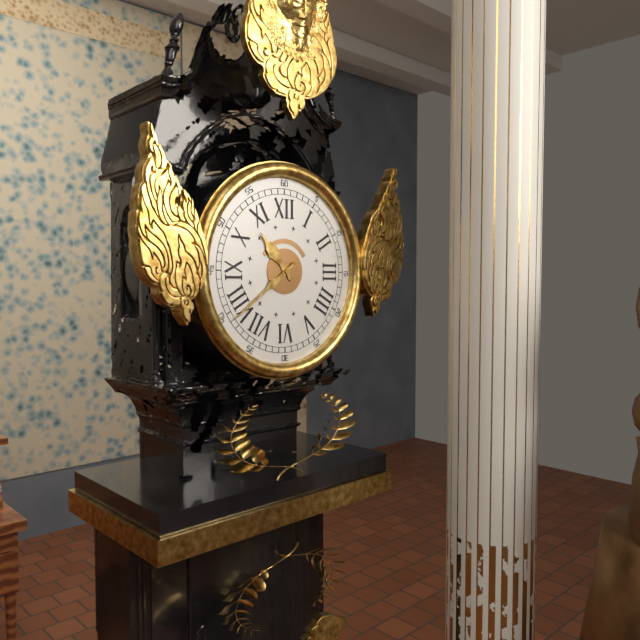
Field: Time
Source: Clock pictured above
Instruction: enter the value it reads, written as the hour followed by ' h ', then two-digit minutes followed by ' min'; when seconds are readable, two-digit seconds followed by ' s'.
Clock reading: 10 h 39 min
